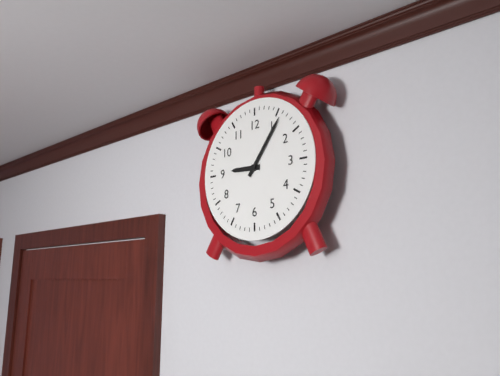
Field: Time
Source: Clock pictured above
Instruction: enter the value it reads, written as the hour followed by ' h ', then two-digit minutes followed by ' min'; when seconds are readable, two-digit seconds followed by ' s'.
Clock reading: 9 h 06 min
